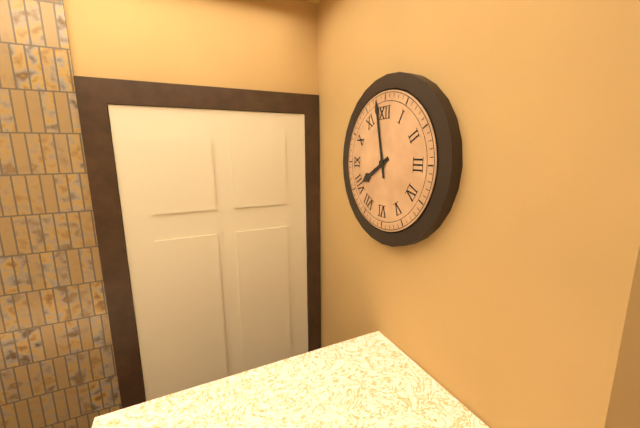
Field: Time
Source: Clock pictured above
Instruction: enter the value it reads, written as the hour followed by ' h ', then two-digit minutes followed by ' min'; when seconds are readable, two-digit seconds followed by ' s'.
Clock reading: 7 h 58 min
